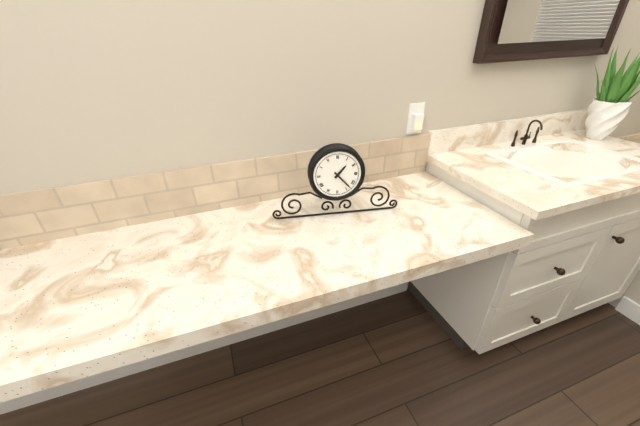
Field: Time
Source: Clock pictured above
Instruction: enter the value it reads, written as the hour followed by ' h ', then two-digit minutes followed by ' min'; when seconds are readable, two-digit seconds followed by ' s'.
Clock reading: 1 h 23 min
